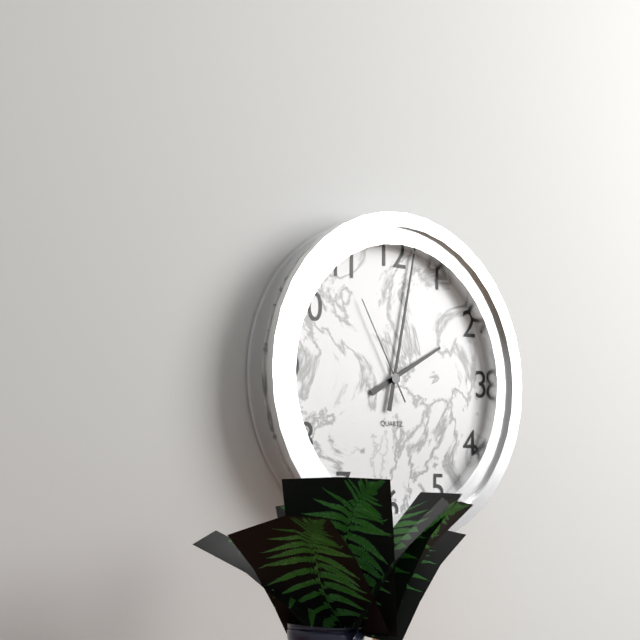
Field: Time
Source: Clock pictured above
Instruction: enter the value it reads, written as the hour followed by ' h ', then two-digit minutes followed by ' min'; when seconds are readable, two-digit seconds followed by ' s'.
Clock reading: 2 h 02 min 55 s
